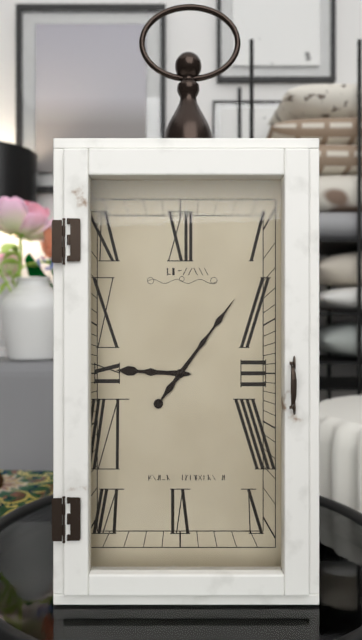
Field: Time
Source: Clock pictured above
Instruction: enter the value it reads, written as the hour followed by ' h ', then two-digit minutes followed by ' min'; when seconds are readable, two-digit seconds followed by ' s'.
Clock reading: 9 h 06 min
